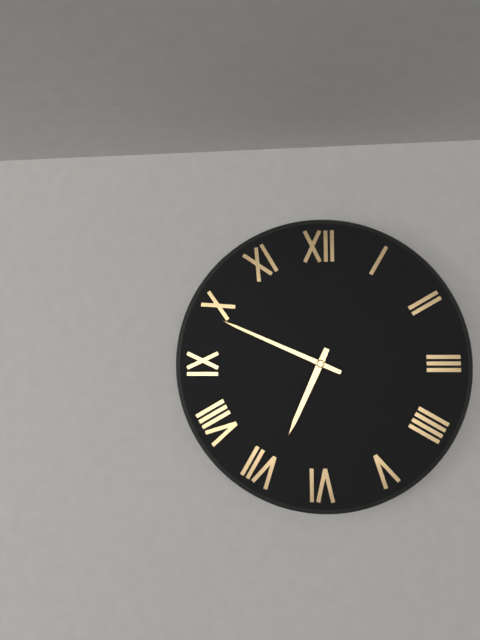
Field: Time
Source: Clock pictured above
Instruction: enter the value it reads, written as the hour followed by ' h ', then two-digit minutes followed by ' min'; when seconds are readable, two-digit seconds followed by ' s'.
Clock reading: 6 h 49 min
